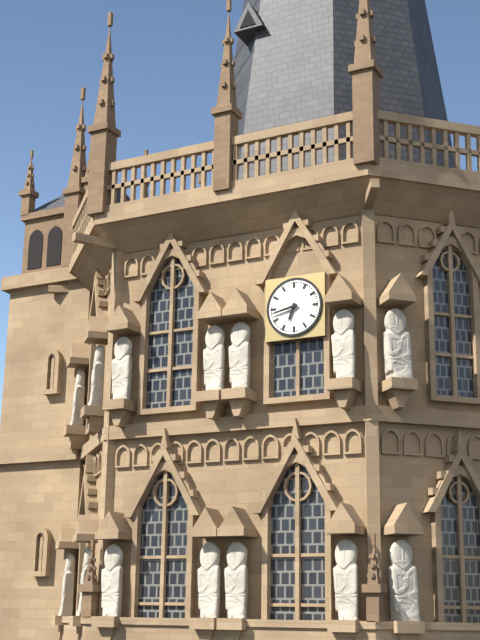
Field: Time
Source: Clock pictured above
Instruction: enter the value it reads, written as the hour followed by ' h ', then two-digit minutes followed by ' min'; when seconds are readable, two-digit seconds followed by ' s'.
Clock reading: 6 h 43 min
